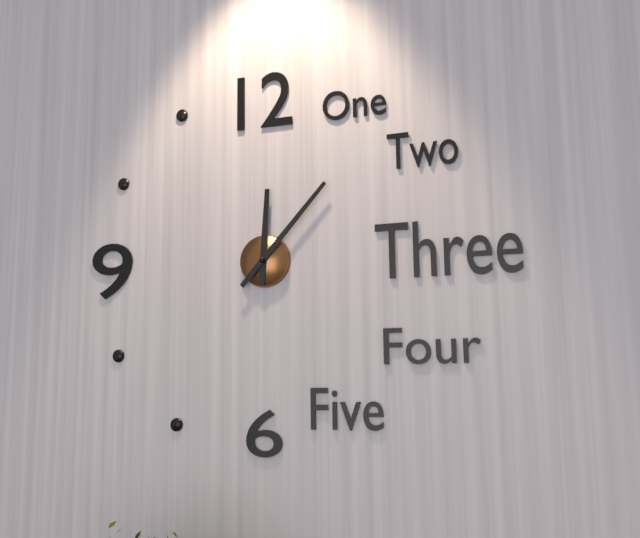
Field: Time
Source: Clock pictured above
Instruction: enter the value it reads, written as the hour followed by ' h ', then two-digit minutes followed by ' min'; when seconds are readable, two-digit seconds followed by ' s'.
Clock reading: 12 h 07 min
